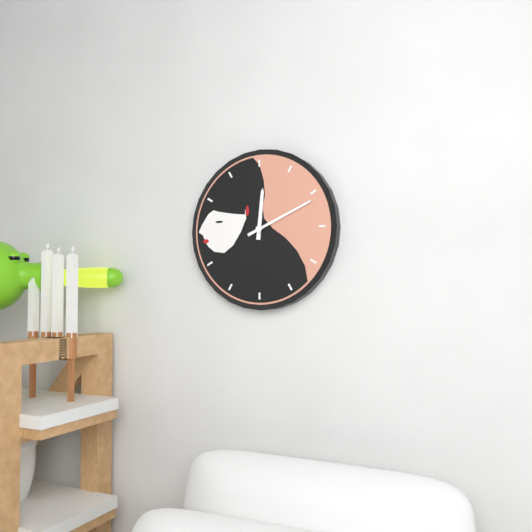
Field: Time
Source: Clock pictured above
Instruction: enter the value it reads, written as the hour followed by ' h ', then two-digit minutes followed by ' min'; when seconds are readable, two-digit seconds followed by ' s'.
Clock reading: 12 h 11 min
